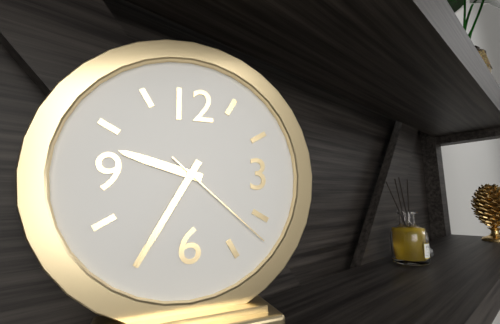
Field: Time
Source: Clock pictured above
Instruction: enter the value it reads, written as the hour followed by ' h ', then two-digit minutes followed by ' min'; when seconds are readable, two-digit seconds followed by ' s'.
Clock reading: 9 h 35 min 22 s
